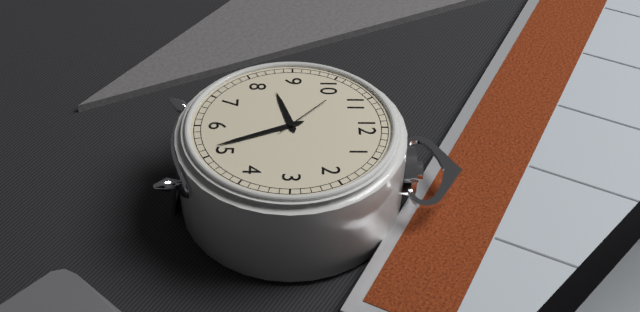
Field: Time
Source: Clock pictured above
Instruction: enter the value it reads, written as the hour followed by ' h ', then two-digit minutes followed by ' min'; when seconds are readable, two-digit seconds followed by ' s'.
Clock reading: 8 h 26 min 52 s
